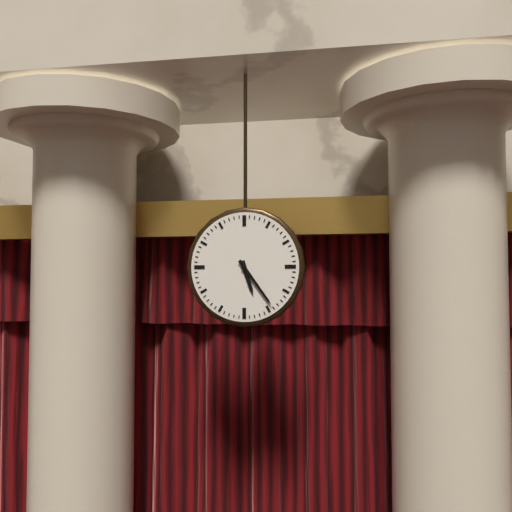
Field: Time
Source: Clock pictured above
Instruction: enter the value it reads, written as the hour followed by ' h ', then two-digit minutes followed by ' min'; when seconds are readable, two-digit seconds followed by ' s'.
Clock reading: 5 h 24 min
